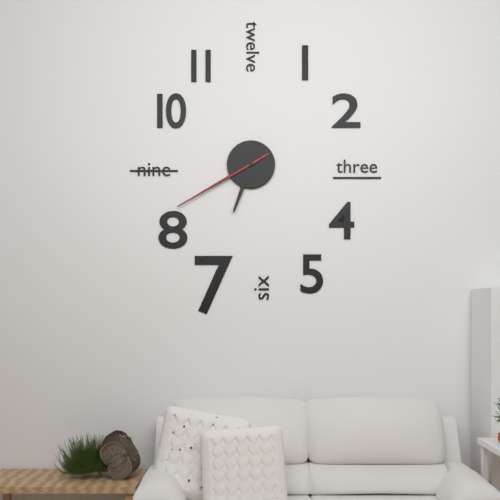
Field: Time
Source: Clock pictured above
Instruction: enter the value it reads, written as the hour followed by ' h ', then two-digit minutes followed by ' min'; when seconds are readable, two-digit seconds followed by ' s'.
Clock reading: 6 h 40 min 40 s
